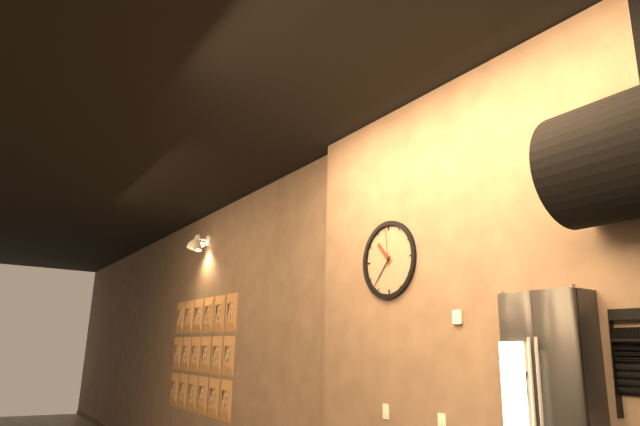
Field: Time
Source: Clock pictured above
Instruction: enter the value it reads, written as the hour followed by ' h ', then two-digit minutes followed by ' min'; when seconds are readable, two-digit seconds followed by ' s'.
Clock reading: 10 h 37 min
